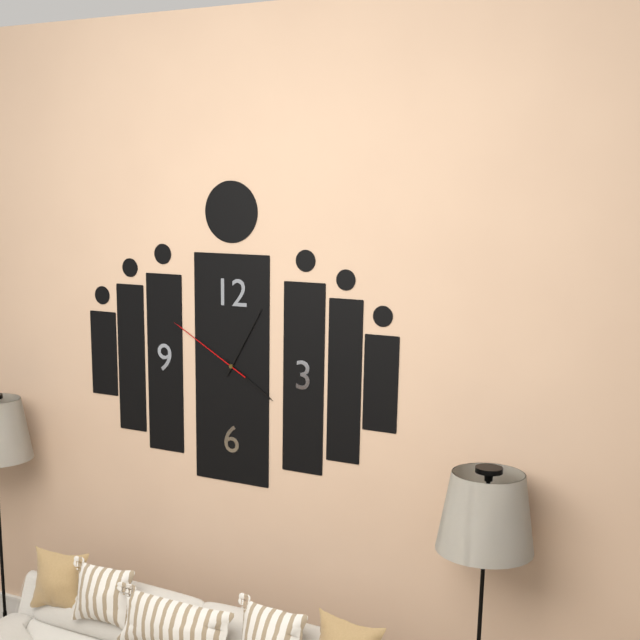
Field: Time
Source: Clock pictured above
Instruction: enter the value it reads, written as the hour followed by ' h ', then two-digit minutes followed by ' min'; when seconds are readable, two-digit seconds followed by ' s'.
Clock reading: 4 h 05 min 50 s
